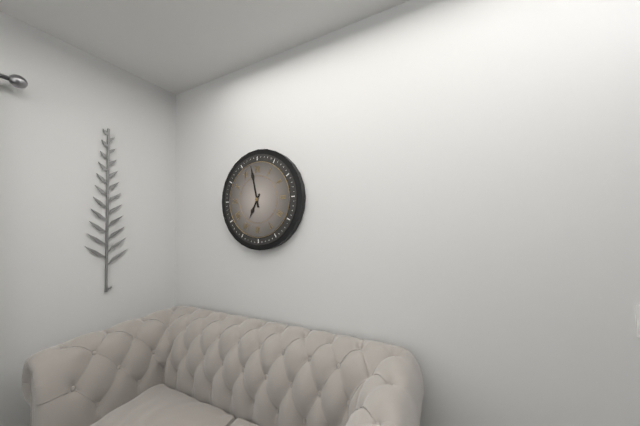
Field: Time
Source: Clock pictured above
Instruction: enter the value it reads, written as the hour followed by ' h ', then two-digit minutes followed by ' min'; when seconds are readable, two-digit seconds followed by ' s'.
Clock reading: 6 h 58 min
